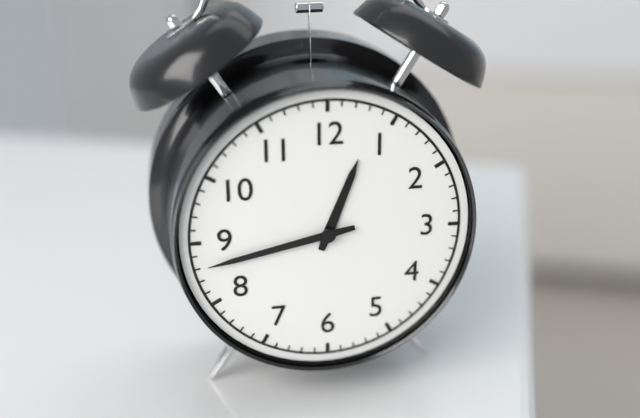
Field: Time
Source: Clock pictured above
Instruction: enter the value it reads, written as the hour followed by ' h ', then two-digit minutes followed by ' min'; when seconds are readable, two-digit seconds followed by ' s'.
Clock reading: 12 h 43 min
